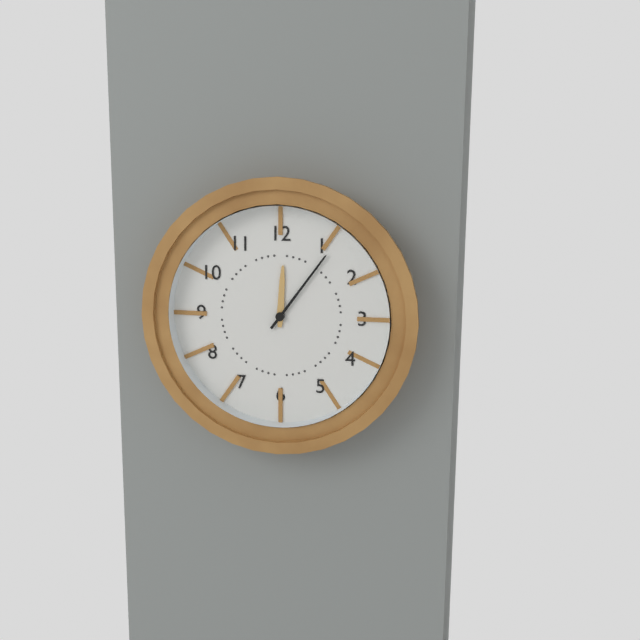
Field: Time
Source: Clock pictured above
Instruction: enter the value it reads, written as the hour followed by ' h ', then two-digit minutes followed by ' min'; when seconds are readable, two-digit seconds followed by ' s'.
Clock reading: 12 h 06 min
